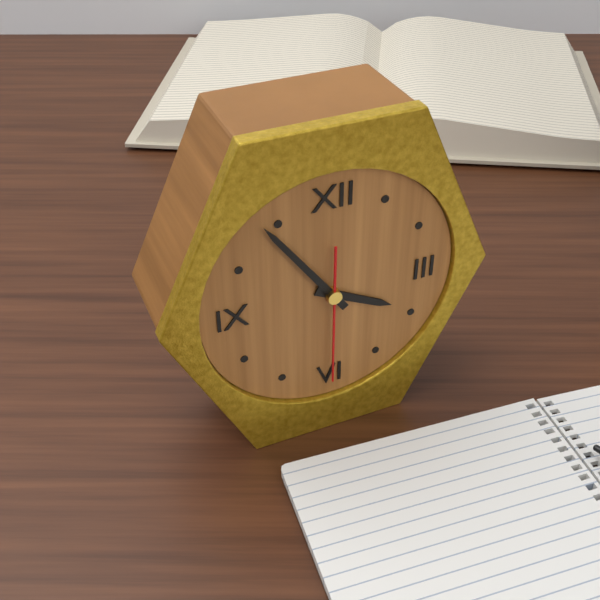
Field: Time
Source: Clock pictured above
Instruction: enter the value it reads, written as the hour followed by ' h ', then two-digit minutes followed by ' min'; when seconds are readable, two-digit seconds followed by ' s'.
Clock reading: 3 h 54 min 30 s
